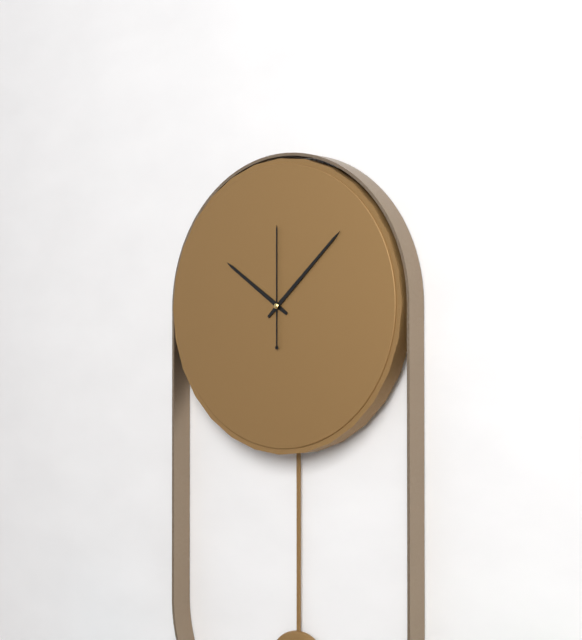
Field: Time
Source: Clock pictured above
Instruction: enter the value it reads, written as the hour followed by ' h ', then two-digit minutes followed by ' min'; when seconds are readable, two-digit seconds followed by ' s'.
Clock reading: 10 h 08 min 00 s
